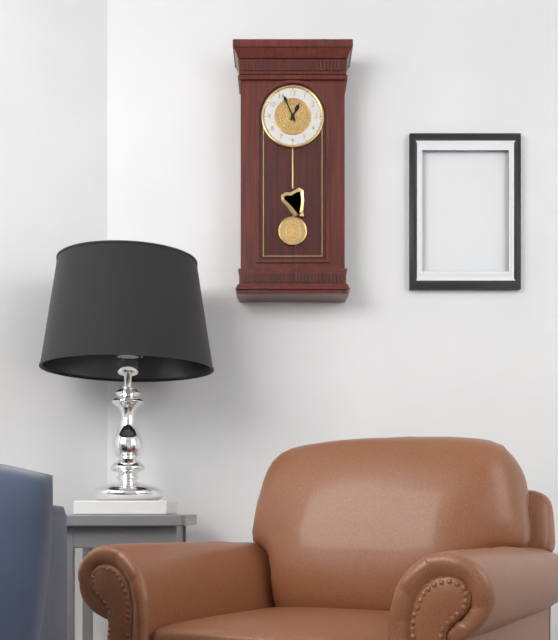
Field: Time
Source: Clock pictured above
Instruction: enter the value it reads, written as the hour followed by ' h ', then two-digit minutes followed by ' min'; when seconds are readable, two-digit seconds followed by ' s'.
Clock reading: 12 h 56 min
